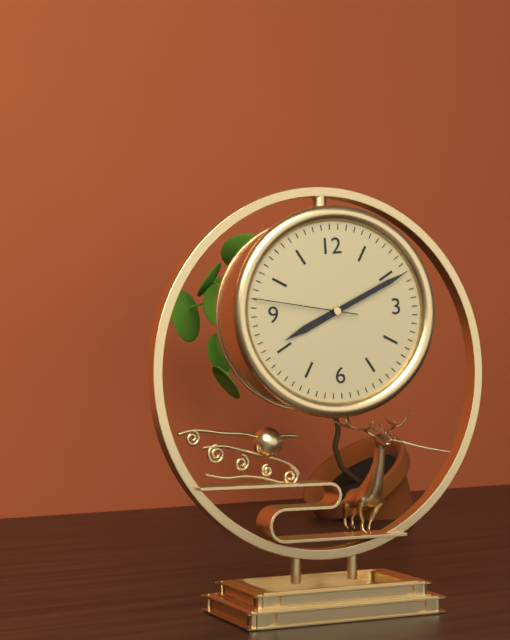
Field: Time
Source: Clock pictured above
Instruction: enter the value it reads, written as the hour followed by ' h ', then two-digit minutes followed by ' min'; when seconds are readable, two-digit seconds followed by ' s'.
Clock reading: 8 h 11 min 47 s
